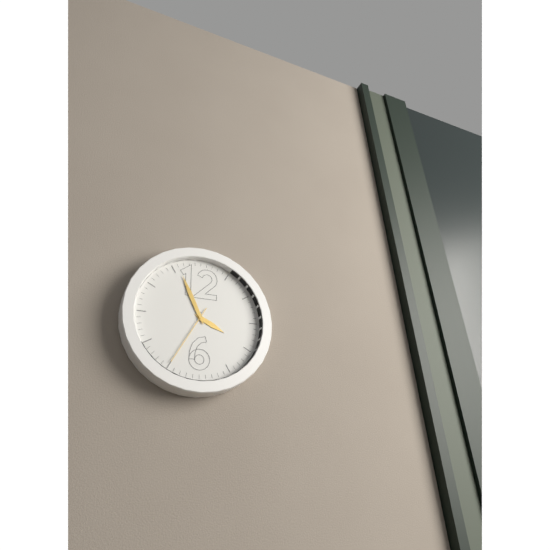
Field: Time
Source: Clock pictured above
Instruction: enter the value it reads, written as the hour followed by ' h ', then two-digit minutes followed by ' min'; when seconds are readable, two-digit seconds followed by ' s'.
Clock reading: 3 h 56 min 35 s
